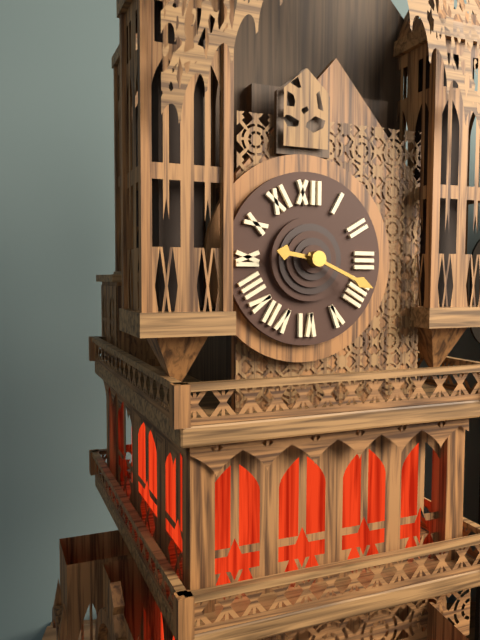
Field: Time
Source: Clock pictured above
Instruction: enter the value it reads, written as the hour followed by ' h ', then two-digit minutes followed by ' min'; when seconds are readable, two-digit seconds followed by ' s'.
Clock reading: 9 h 19 min
